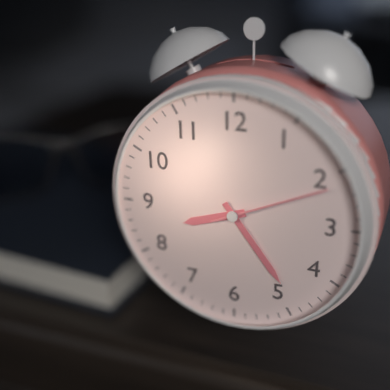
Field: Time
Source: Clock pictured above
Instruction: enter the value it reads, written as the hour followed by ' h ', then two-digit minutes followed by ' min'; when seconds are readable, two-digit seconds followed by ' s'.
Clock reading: 8 h 24 min 11 s
